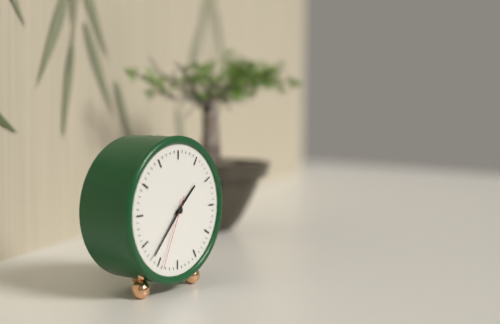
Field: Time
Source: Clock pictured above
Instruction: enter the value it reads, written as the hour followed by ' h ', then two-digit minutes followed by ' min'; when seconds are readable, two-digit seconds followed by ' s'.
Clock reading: 1 h 37 min 34 s
